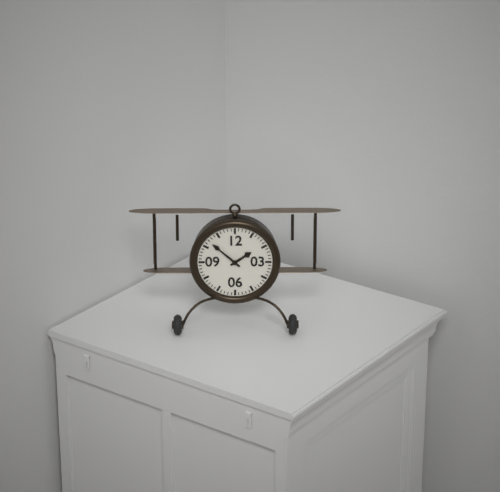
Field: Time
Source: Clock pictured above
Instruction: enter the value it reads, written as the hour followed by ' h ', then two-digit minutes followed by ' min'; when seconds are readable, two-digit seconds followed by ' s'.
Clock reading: 1 h 52 min
